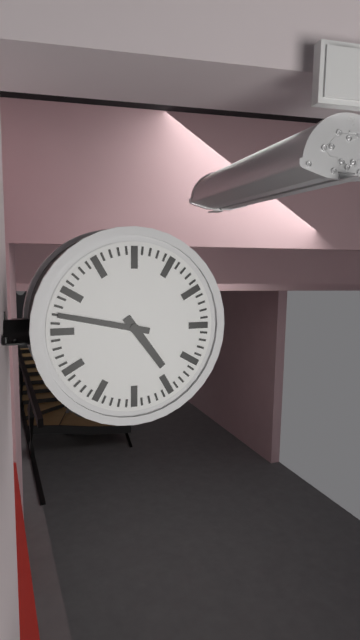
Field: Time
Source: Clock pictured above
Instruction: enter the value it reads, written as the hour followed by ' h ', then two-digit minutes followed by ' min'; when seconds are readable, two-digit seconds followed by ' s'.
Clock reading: 4 h 47 min
